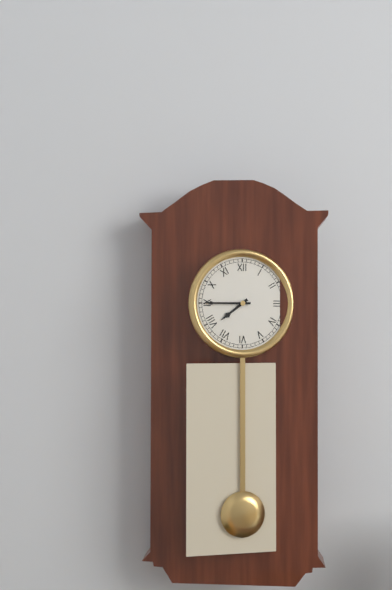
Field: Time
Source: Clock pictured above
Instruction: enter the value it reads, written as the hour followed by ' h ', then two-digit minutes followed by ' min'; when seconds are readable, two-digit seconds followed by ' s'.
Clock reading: 7 h 45 min
